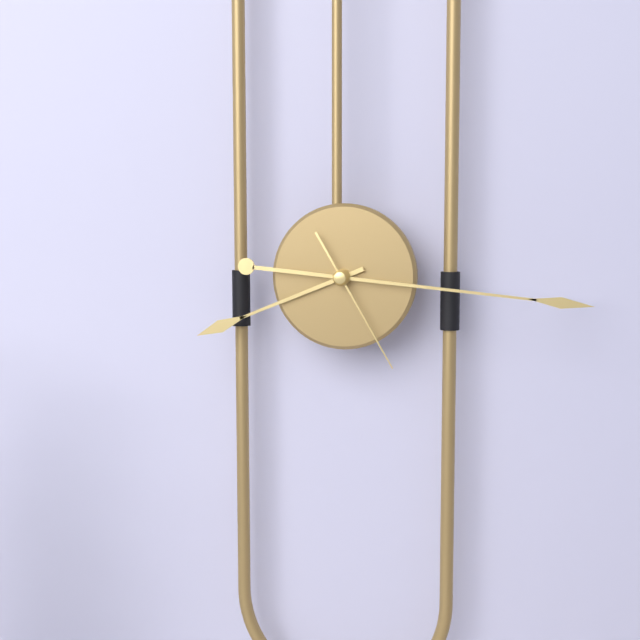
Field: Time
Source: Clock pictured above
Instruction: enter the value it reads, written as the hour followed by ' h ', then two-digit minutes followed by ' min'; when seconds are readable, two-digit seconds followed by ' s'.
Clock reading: 8 h 16 min 25 s
